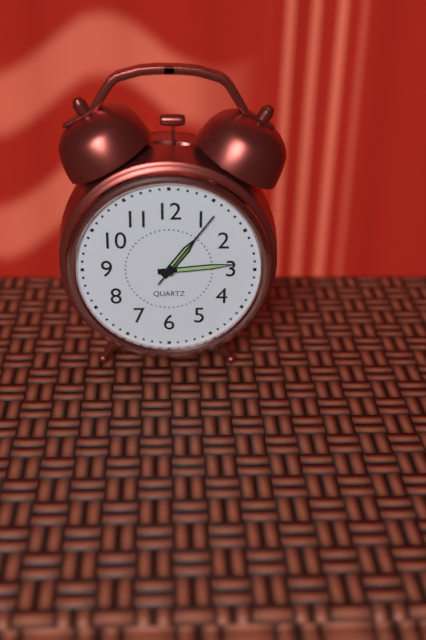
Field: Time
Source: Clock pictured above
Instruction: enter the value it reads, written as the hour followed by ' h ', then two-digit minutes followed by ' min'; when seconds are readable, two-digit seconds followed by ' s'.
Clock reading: 1 h 14 min 06 s
